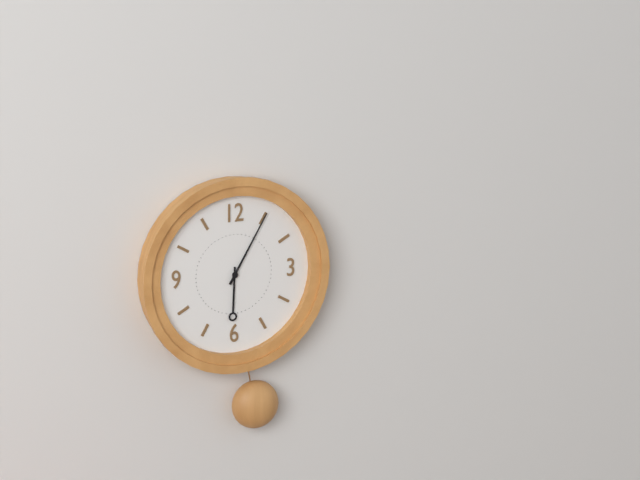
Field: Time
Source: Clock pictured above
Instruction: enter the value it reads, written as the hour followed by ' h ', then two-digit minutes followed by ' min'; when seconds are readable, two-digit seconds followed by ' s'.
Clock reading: 6 h 05 min
